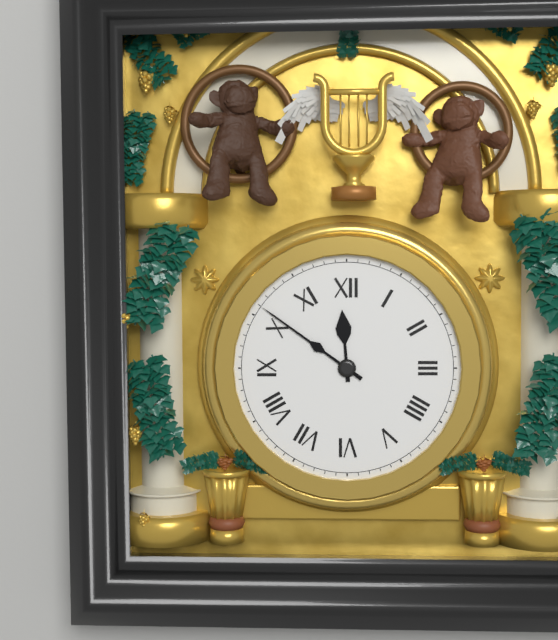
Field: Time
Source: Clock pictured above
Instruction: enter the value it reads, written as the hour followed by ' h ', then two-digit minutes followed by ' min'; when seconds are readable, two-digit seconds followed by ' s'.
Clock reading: 11 h 51 min
